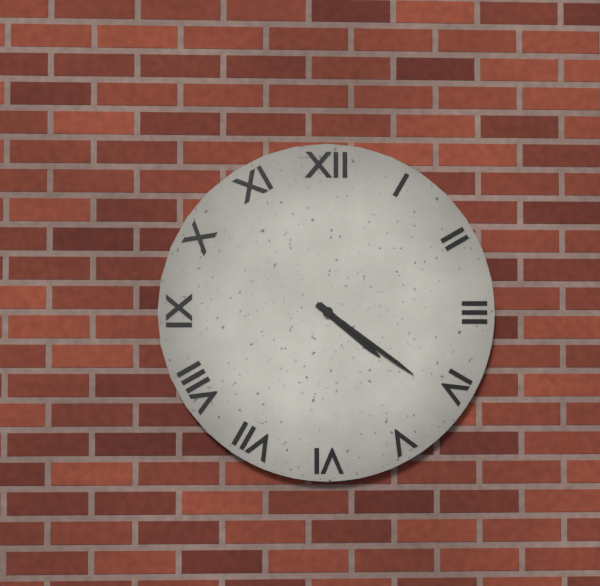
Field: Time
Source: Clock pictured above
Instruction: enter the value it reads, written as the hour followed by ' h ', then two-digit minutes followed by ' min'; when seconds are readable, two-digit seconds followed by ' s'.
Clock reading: 4 h 21 min
